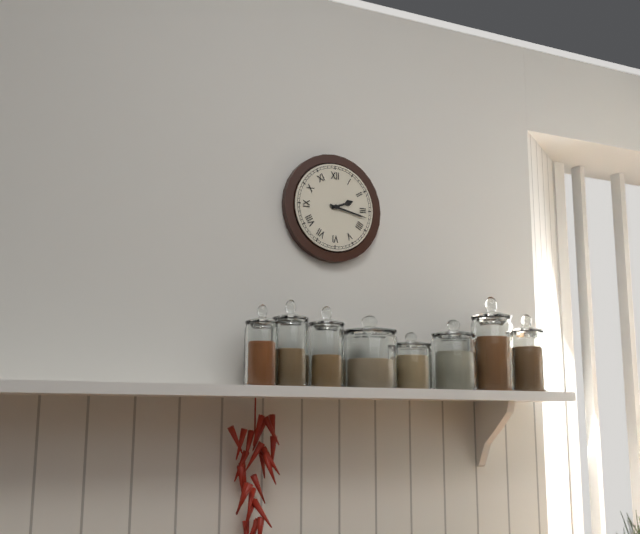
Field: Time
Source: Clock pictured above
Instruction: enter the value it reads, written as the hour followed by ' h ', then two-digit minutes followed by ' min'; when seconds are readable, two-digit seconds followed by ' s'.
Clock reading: 2 h 17 min
